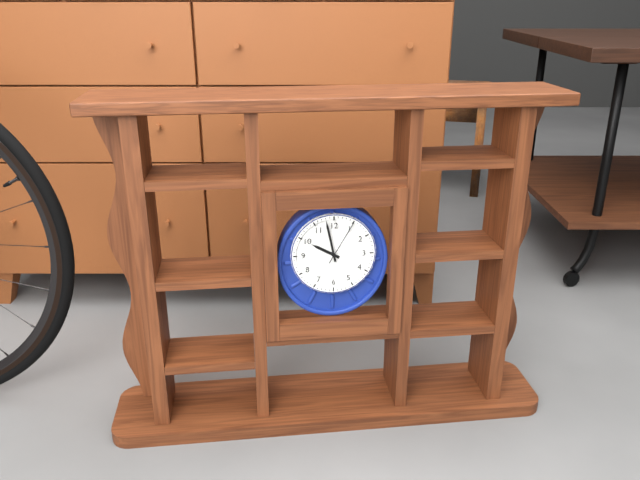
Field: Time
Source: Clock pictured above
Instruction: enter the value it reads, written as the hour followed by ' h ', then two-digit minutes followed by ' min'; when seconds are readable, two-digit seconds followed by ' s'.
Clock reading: 9 h 58 min
